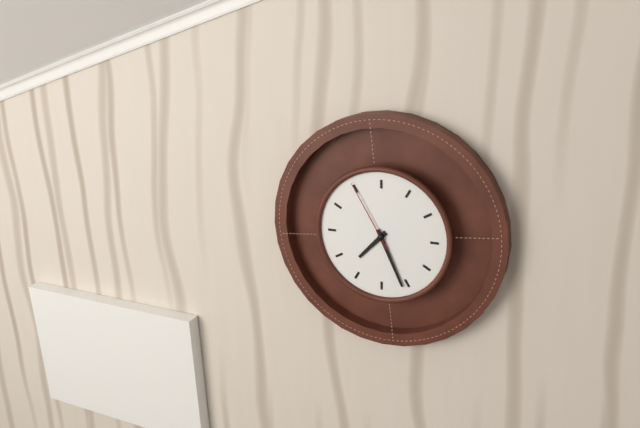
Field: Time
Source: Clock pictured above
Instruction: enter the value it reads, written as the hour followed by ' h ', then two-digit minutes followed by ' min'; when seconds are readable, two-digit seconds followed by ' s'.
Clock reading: 7 h 26 min 55 s
